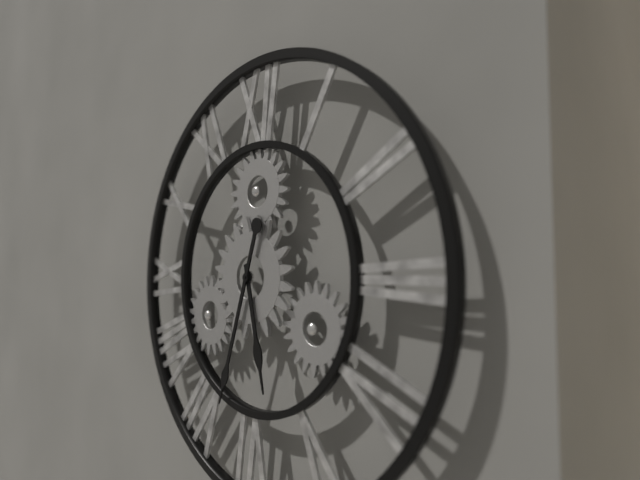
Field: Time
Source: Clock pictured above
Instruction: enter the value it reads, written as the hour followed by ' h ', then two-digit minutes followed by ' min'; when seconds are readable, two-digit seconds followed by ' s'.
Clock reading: 5 h 33 min
